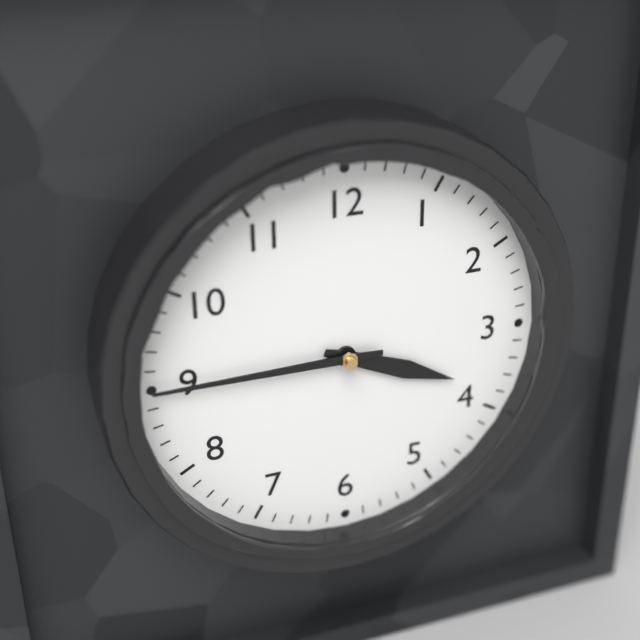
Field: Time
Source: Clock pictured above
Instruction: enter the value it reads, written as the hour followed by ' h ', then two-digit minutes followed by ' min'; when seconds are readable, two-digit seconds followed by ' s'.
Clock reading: 3 h 45 min
